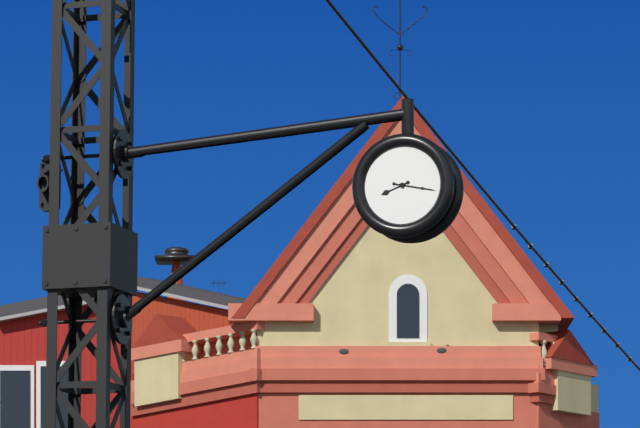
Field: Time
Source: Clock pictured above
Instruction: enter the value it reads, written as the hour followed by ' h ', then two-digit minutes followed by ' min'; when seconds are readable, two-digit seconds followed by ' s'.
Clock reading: 8 h 17 min
